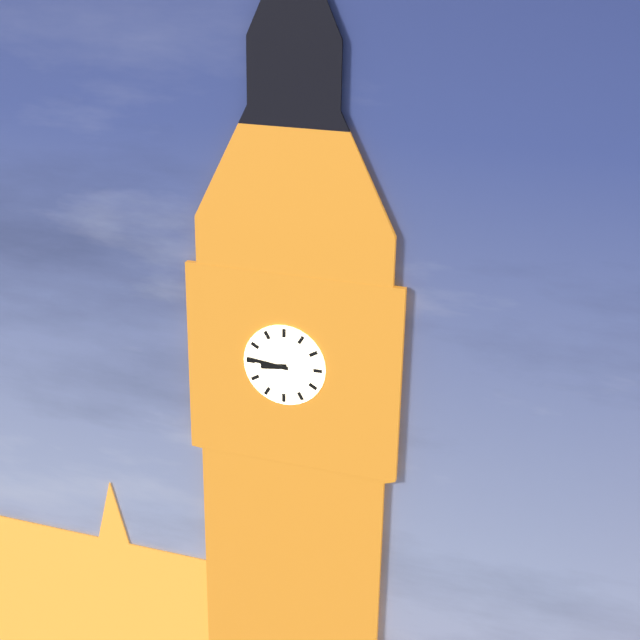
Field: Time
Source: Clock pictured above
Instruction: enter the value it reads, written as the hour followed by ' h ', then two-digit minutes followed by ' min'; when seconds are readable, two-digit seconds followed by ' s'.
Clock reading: 8 h 46 min
